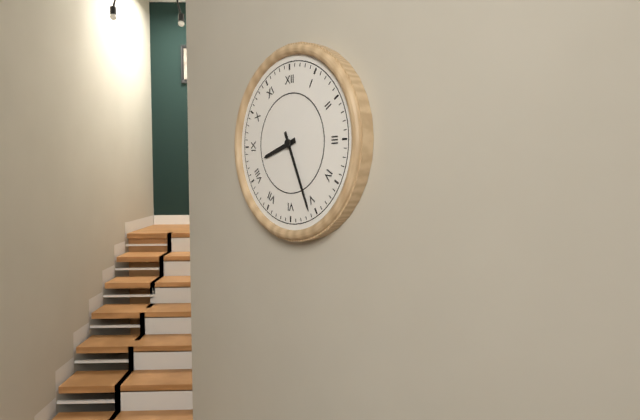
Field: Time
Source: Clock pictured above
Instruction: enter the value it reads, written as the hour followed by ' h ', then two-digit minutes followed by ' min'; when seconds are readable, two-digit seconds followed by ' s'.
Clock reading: 8 h 26 min
